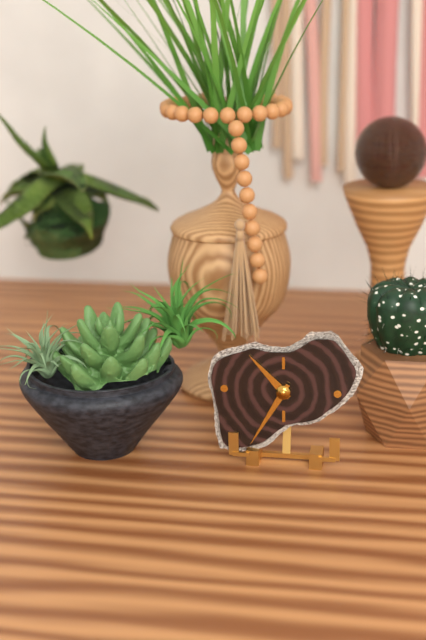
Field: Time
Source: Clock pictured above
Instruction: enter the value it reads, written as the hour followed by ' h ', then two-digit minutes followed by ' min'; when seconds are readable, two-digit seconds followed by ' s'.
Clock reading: 10 h 35 min
